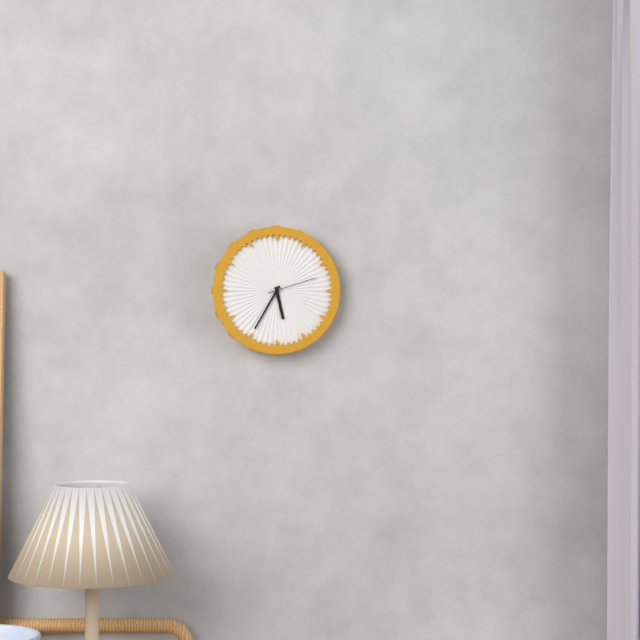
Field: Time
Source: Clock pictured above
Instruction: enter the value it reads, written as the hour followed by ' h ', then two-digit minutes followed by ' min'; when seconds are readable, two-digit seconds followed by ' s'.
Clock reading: 5 h 35 min 12 s
